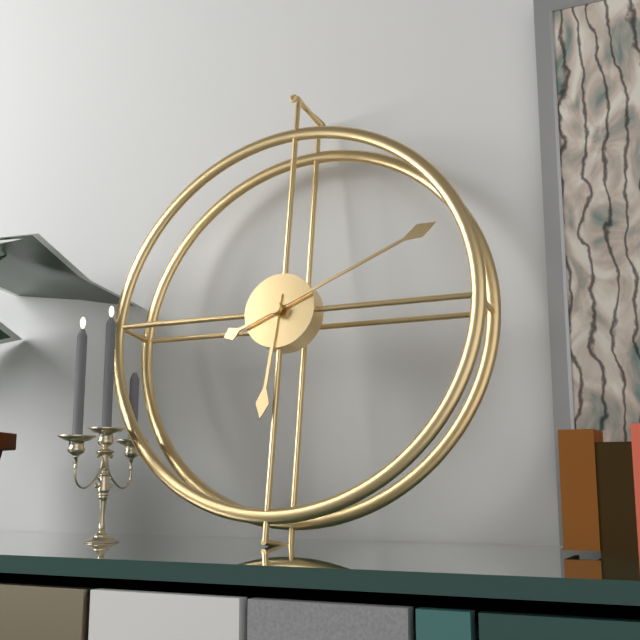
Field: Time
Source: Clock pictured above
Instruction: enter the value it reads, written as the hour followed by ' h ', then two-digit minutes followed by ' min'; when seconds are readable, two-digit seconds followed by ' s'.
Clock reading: 6 h 11 min
